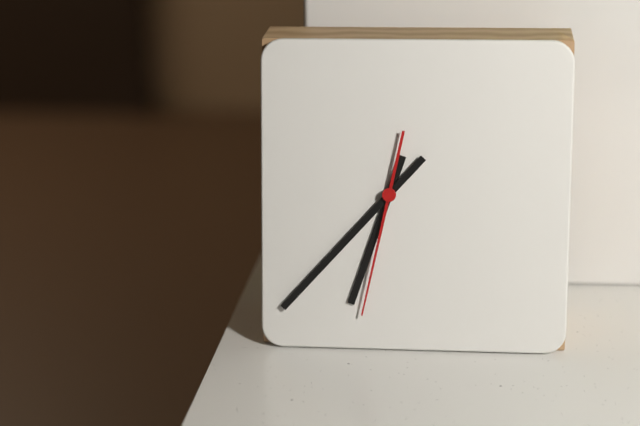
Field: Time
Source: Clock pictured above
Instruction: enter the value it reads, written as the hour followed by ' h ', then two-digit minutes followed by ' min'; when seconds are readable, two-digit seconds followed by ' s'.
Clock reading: 6 h 37 min 32 s
